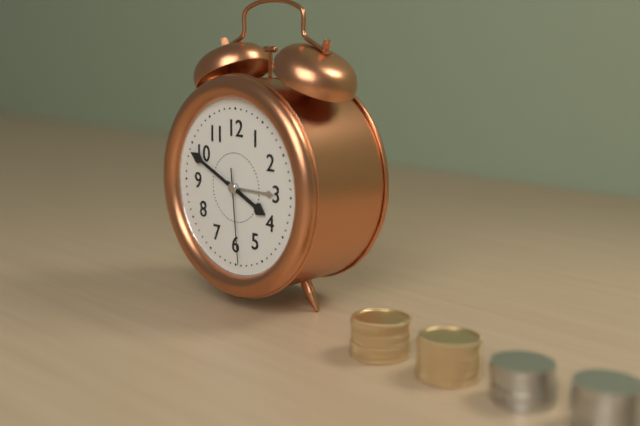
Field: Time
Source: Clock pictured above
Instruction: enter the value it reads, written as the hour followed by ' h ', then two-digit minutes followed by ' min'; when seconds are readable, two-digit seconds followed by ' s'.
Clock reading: 3 h 49 min 29 s
